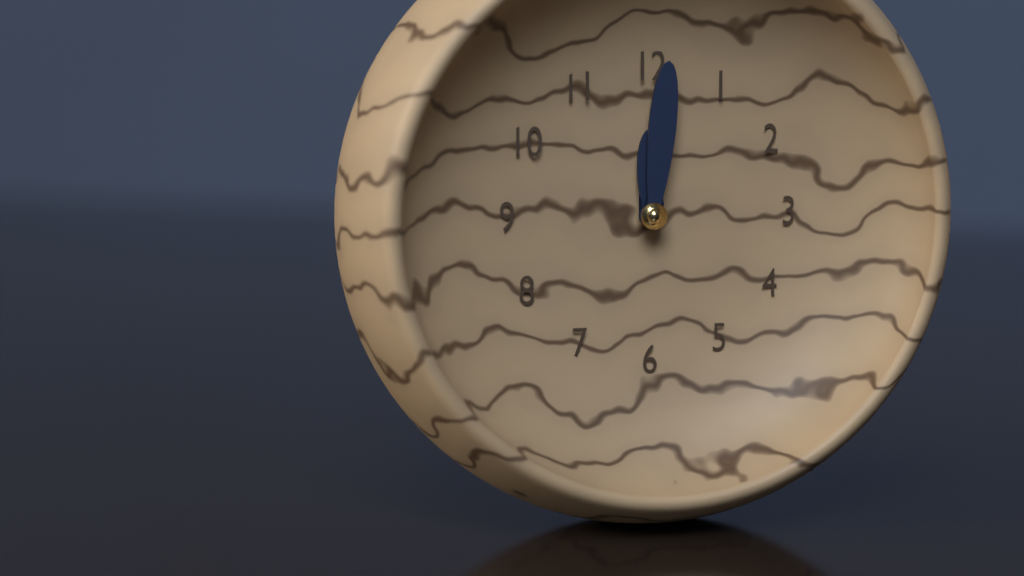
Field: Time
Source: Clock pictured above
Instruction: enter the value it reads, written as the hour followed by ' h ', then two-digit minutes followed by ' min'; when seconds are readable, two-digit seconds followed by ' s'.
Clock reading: 12 h 01 min
